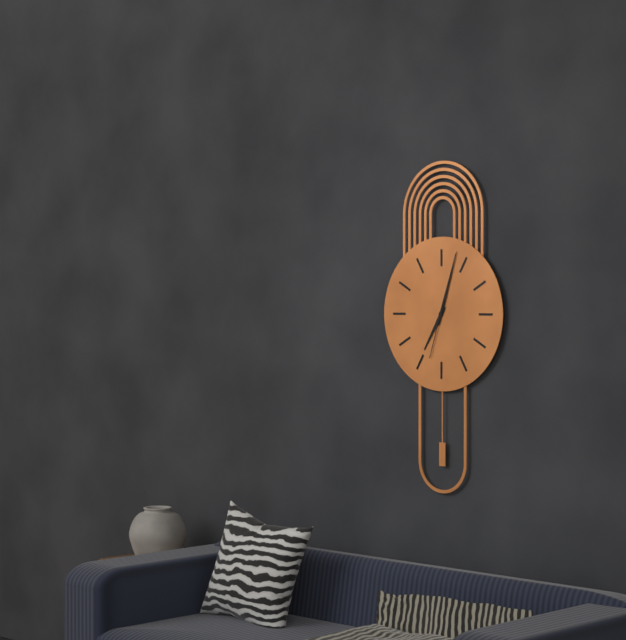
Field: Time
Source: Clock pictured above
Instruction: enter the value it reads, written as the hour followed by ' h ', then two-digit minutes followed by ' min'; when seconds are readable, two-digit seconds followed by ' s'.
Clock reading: 7 h 03 min 33 s
